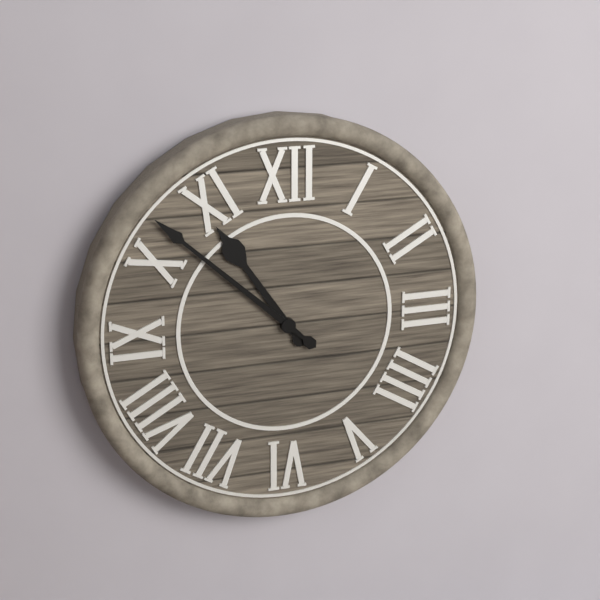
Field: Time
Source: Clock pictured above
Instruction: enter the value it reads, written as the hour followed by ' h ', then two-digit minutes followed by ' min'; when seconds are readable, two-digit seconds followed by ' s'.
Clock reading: 10 h 52 min
